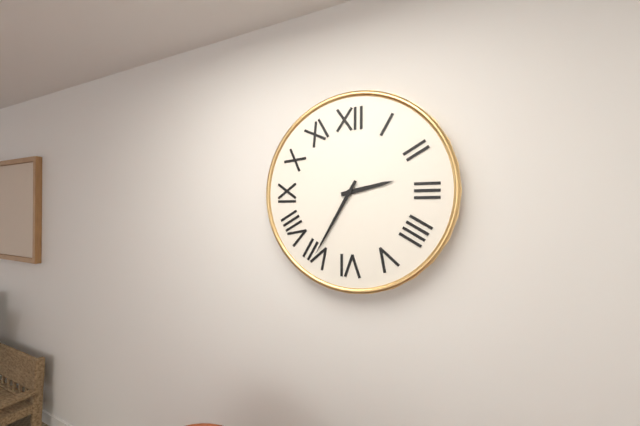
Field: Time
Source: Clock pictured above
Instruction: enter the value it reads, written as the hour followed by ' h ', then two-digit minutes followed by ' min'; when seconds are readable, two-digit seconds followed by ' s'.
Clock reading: 2 h 35 min
